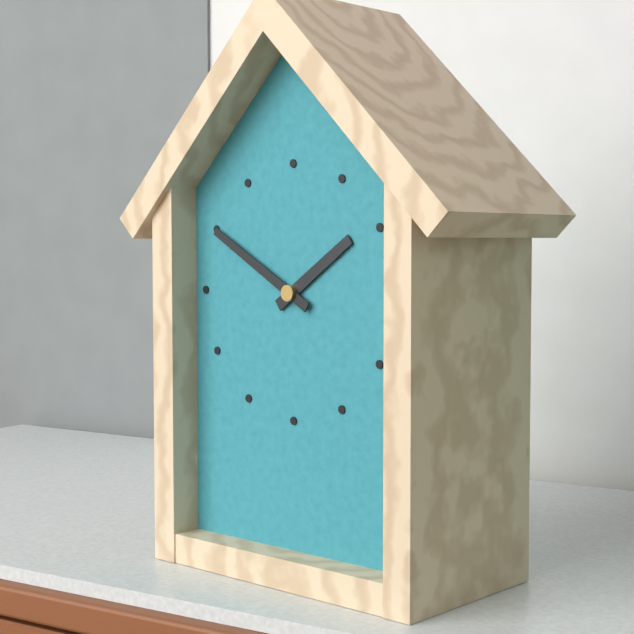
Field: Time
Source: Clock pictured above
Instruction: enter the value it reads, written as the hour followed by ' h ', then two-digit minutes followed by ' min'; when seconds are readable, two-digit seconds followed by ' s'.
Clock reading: 1 h 50 min
